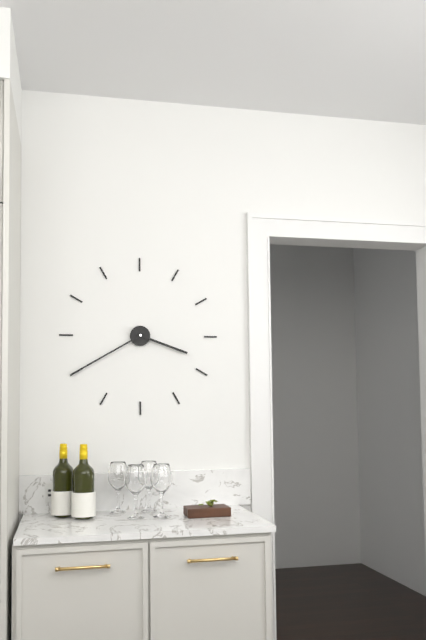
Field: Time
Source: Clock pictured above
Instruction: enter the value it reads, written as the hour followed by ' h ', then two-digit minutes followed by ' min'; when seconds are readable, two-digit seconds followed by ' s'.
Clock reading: 3 h 40 min
